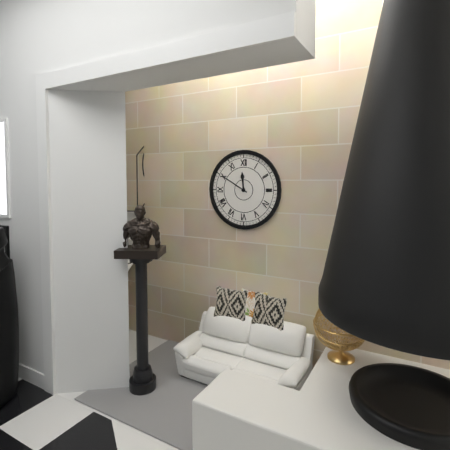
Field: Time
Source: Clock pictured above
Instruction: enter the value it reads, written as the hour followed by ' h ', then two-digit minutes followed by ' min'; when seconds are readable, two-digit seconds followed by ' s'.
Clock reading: 11 h 50 min
